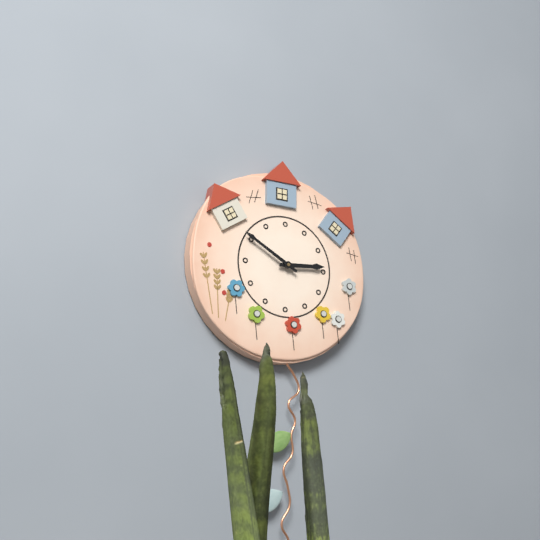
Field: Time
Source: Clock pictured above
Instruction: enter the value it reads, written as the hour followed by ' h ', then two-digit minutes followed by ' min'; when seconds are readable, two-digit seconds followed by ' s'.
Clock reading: 2 h 50 min
